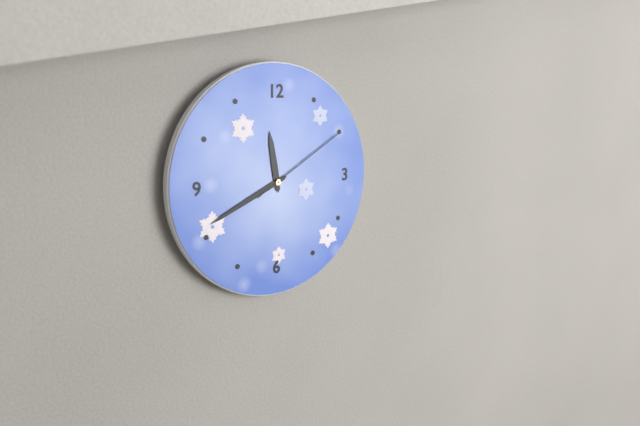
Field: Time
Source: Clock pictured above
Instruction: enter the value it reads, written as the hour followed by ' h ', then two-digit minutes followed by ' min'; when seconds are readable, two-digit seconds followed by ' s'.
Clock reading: 11 h 41 min 10 s
